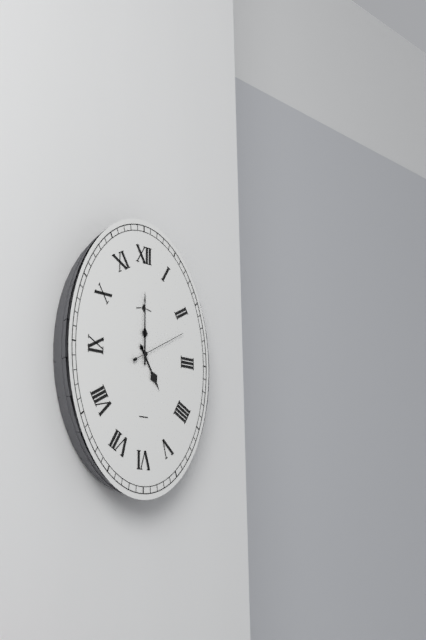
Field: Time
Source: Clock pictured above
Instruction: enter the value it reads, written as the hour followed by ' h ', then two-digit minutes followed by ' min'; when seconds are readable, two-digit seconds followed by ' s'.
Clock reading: 5 h 00 min 10 s
